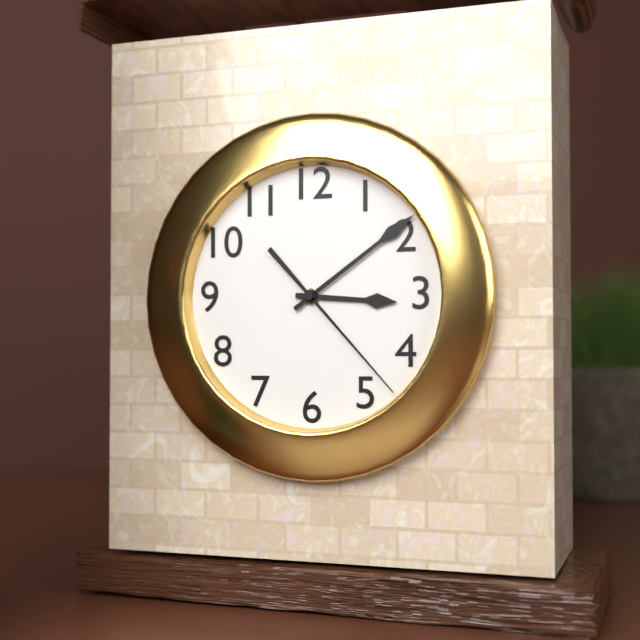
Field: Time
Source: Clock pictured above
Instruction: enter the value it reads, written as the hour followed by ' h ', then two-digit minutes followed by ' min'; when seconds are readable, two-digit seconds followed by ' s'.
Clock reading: 3 h 09 min 23 s
